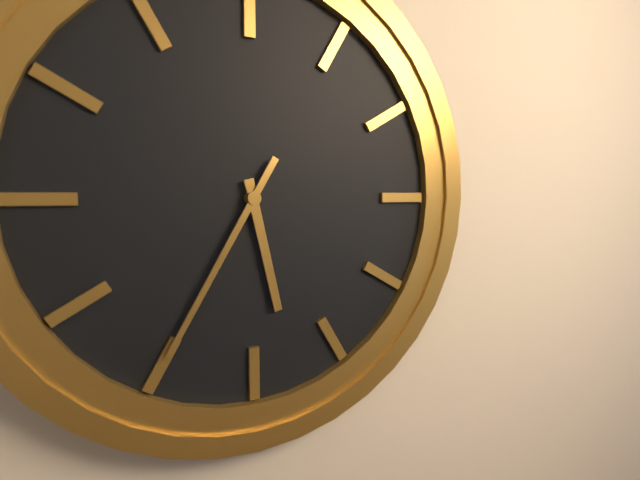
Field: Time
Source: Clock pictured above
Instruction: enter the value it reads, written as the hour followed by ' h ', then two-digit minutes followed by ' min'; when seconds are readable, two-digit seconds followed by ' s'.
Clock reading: 5 h 35 min
